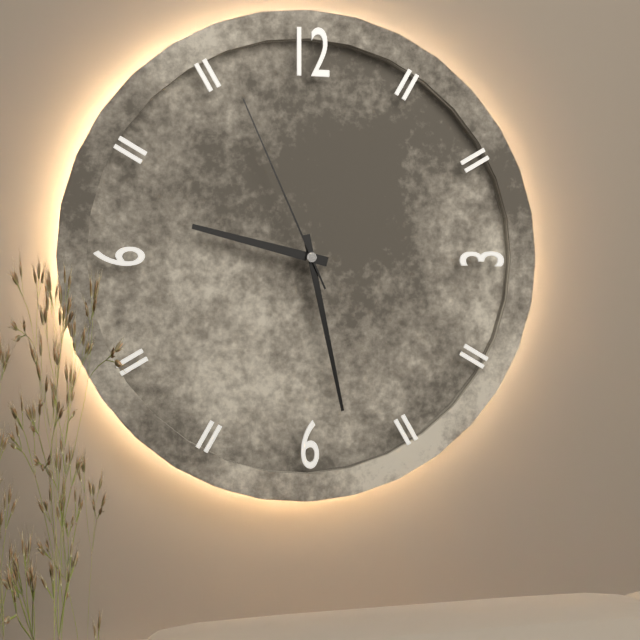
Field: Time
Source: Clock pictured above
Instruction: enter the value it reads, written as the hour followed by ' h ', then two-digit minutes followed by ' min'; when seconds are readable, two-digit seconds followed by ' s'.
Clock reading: 9 h 28 min 56 s
